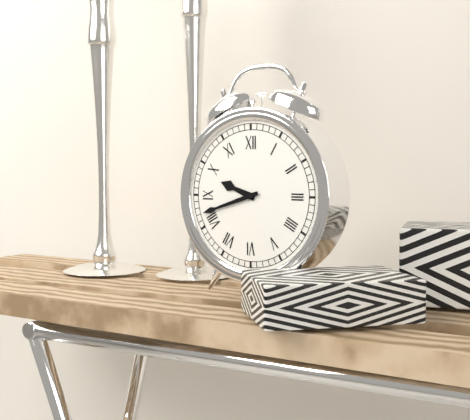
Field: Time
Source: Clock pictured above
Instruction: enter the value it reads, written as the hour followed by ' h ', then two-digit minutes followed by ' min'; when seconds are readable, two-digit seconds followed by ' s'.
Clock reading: 9 h 42 min
